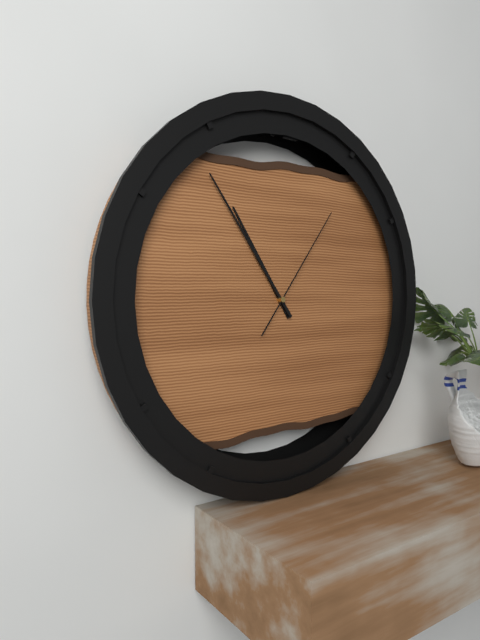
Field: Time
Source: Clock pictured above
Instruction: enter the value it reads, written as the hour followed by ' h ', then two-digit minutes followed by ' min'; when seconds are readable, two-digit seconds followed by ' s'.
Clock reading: 10 h 54 min 06 s
